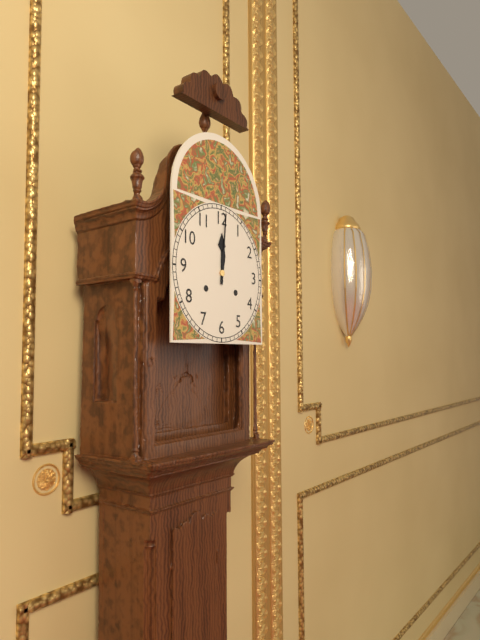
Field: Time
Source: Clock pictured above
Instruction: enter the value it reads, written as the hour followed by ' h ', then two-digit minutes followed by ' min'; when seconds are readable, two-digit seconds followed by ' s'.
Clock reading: 12 h 01 min
